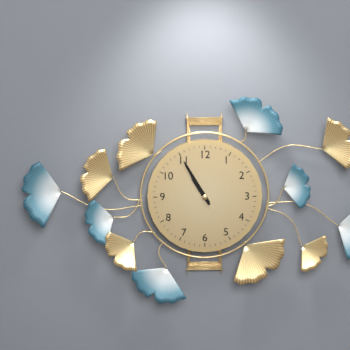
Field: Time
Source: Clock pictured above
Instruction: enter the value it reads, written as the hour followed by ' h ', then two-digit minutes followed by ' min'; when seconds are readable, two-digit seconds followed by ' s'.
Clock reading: 10 h 55 min
